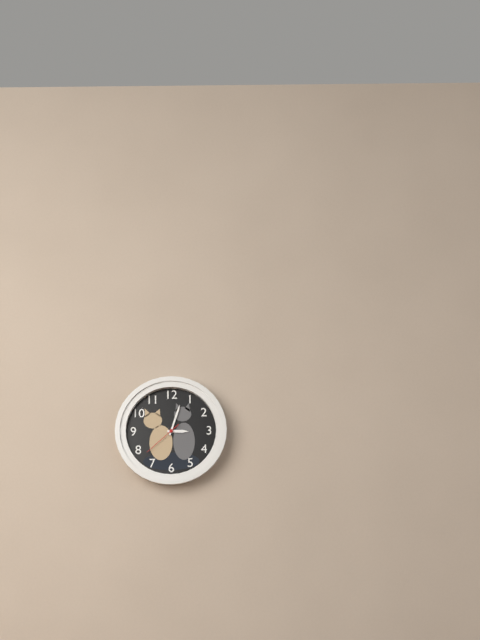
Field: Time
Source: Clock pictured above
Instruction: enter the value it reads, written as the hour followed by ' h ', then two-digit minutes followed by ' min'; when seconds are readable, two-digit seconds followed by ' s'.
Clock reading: 3 h 03 min
